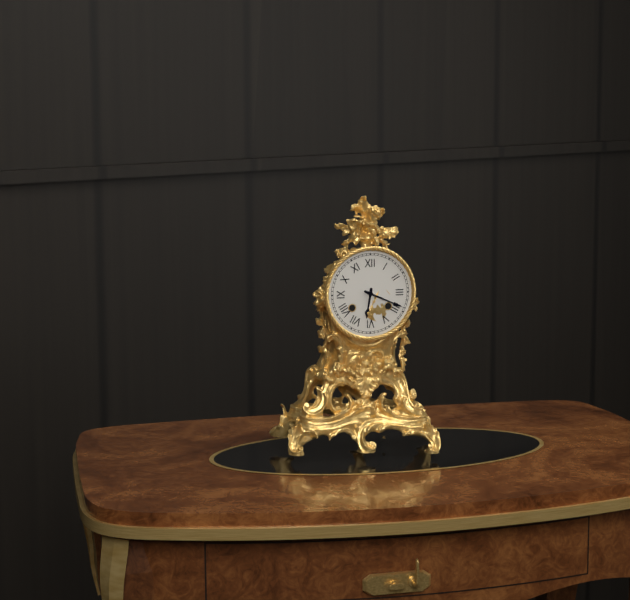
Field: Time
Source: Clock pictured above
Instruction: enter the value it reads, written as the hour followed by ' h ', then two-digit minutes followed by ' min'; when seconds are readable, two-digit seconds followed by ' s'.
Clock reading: 6 h 19 min
